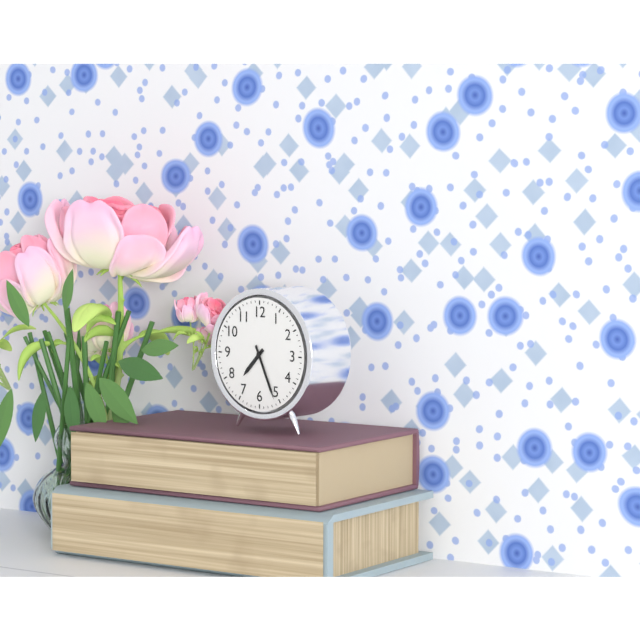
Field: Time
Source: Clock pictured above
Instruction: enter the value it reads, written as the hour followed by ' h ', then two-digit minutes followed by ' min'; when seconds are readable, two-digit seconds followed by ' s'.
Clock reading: 7 h 26 min
